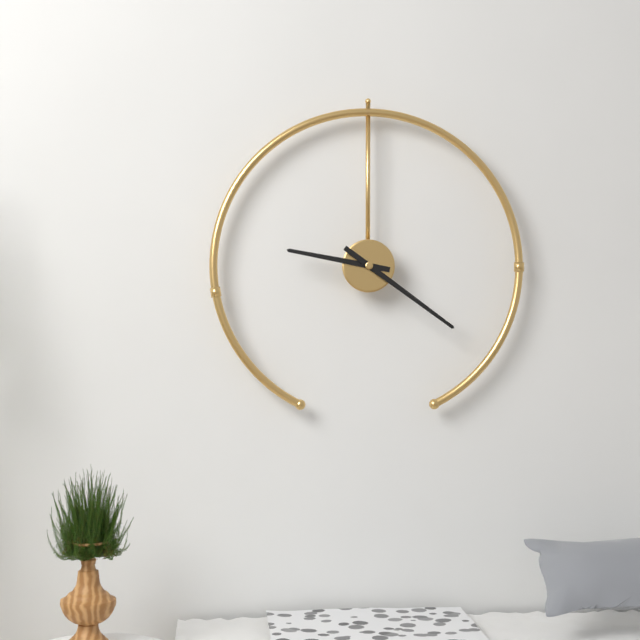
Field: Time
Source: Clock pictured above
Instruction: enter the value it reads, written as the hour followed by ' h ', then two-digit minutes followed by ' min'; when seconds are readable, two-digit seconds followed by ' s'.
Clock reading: 9 h 21 min
